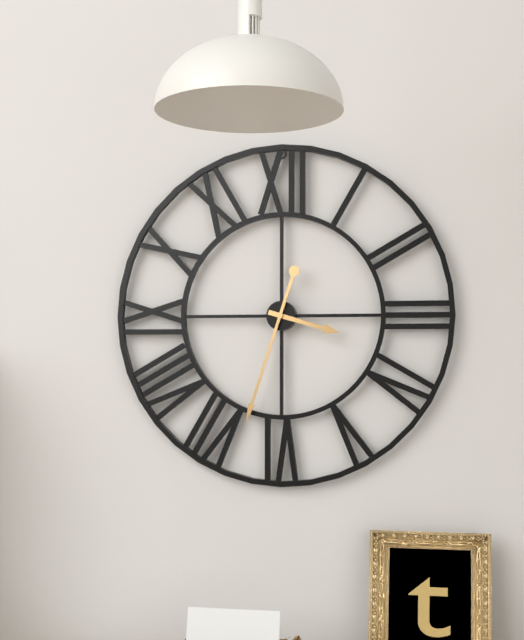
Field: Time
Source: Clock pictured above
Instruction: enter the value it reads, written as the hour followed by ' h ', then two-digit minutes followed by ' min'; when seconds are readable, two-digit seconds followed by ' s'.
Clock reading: 3 h 33 min
